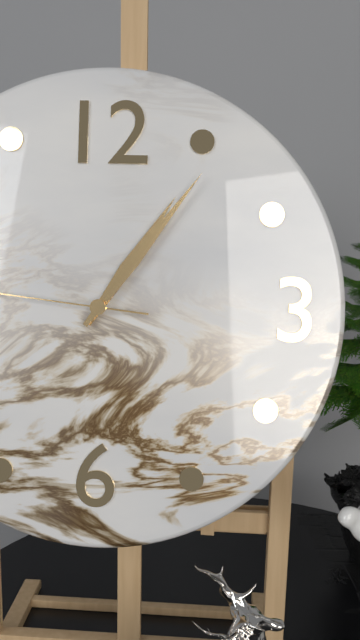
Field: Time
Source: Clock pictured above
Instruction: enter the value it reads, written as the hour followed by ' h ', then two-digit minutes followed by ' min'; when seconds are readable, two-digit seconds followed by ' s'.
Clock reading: 1 h 06 min
